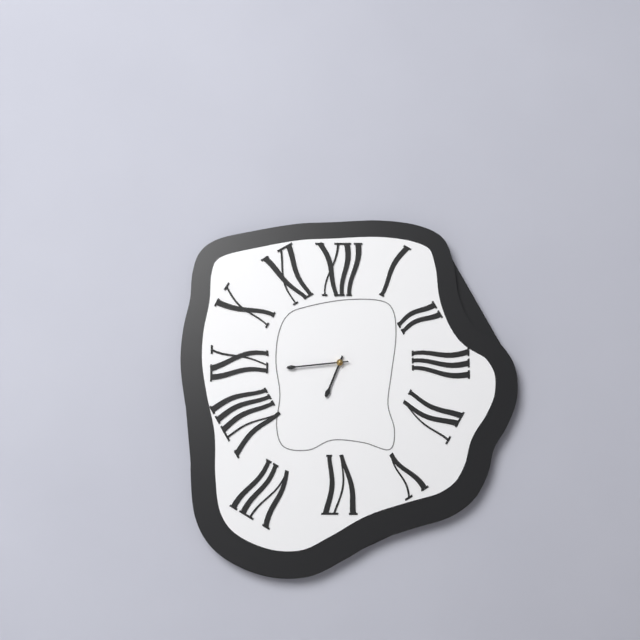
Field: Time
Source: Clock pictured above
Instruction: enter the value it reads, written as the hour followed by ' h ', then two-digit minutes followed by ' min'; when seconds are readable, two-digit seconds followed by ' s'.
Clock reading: 6 h 44 min
